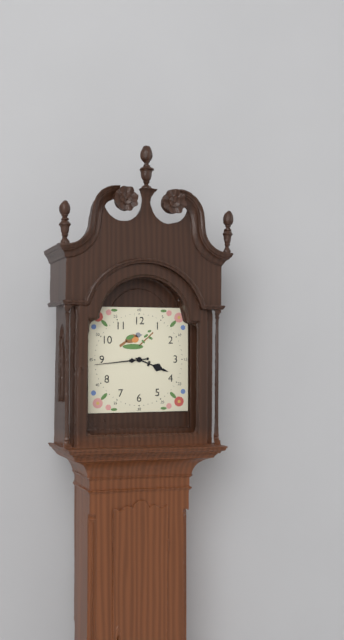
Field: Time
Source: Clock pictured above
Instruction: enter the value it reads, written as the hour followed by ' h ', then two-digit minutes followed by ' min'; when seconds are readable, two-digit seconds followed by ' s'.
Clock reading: 3 h 44 min
